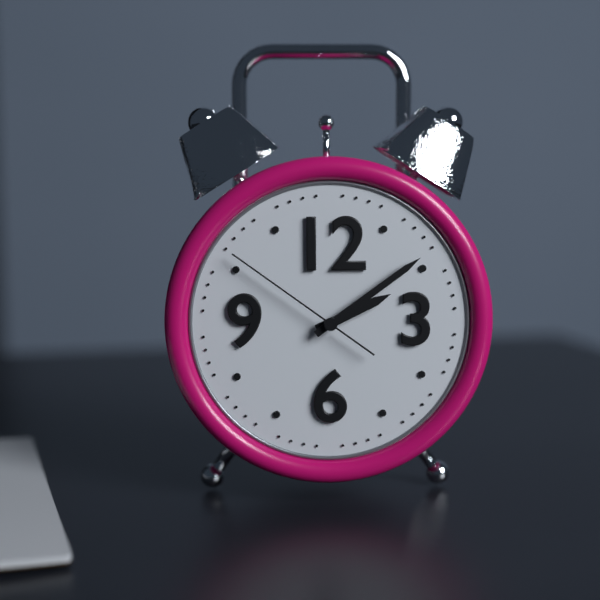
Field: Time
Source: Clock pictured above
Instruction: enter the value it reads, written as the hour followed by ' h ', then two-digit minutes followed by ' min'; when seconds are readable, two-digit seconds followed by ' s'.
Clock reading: 2 h 09 min 51 s
